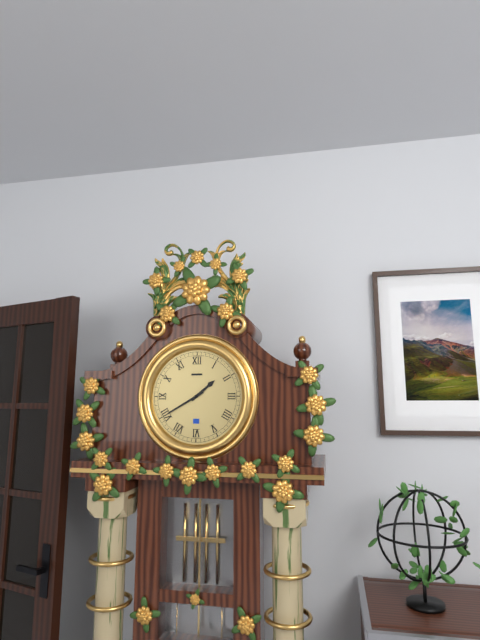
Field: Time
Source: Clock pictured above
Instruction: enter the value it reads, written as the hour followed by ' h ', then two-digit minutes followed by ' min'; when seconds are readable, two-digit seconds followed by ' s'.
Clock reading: 1 h 40 min
